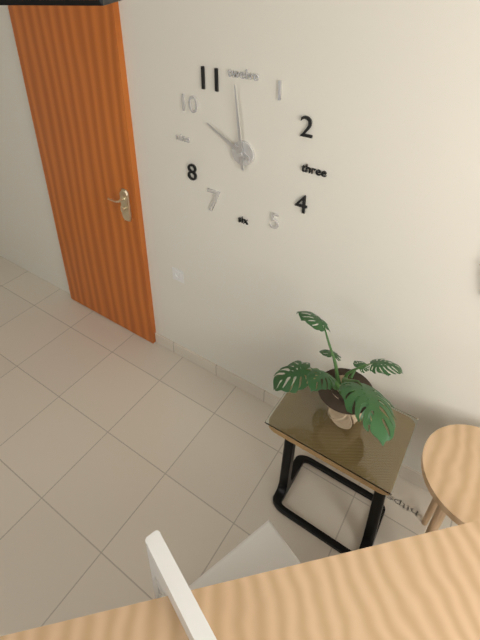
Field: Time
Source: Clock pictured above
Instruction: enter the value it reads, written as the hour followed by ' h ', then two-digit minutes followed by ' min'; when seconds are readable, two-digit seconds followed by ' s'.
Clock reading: 9 h 59 min
